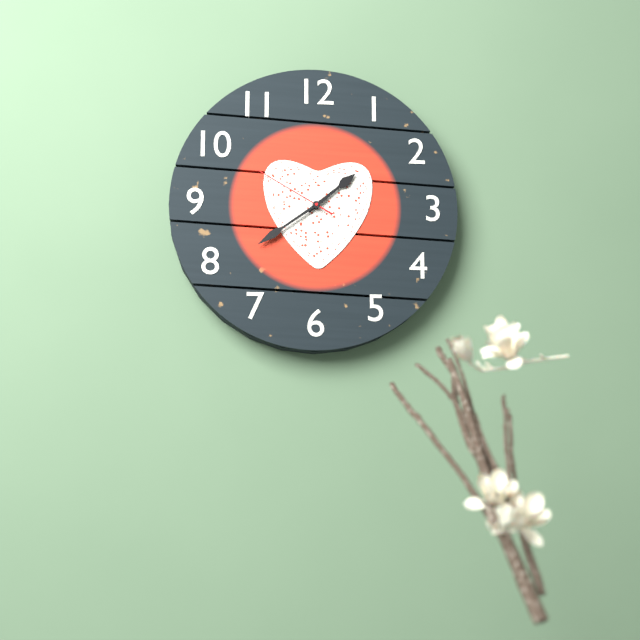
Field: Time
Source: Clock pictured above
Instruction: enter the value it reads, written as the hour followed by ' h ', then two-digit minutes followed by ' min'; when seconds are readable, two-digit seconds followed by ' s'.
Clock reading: 1 h 39 min 50 s
